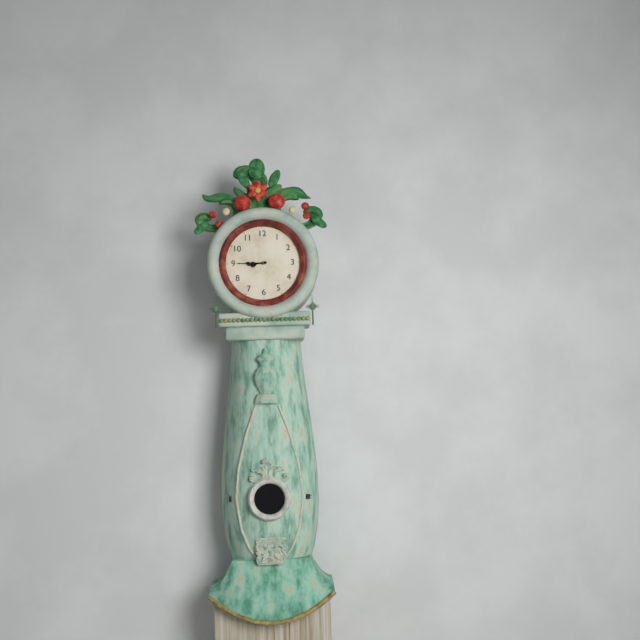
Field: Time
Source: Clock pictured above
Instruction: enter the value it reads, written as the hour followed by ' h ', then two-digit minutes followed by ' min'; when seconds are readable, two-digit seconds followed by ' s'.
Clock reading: 8 h 45 min
